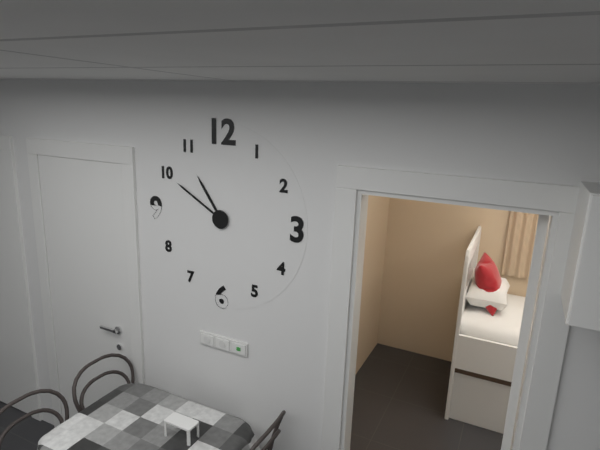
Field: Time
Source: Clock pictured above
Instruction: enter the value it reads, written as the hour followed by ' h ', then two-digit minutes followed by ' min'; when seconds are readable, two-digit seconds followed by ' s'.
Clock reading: 10 h 50 min
